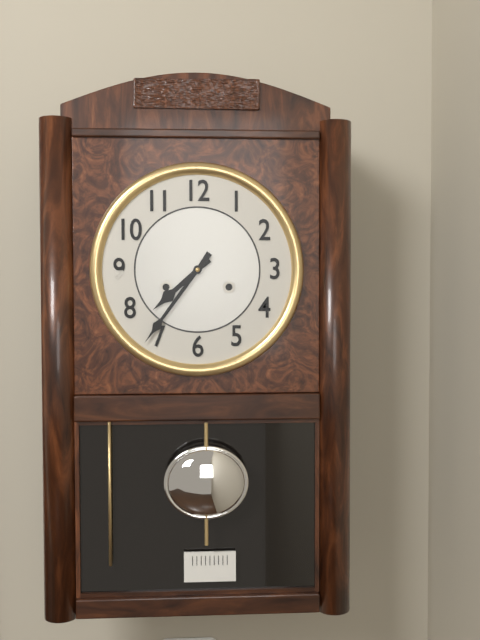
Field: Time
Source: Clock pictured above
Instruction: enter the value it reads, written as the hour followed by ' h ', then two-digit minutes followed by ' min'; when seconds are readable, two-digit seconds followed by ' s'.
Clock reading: 7 h 36 min
